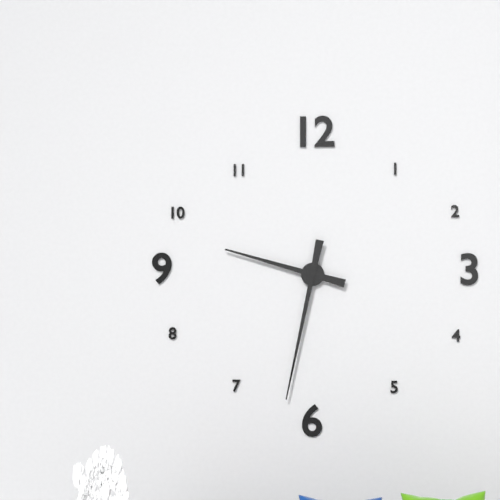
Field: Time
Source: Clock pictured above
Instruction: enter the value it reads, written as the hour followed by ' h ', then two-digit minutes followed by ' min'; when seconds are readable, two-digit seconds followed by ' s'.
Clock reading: 9 h 32 min
